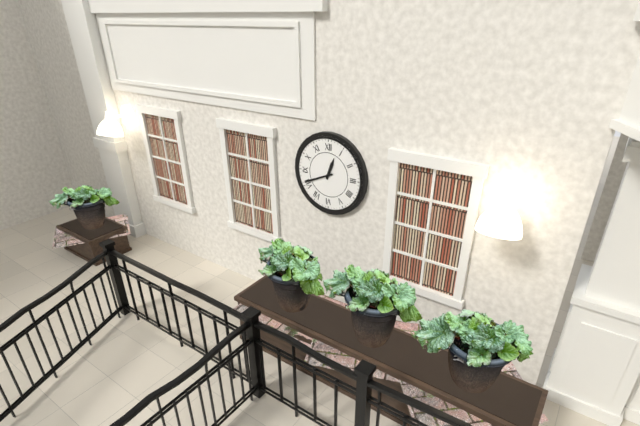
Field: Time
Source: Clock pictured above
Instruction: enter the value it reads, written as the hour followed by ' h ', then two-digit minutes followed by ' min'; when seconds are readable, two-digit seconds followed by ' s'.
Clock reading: 12 h 41 min
